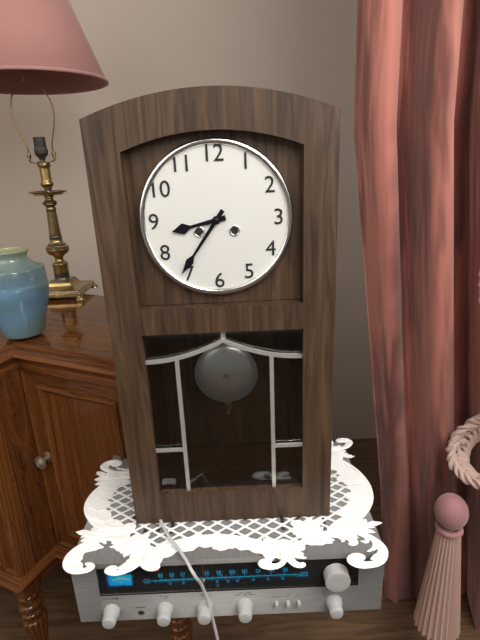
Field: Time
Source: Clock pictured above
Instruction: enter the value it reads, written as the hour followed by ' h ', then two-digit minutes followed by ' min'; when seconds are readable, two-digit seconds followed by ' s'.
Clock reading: 8 h 36 min
